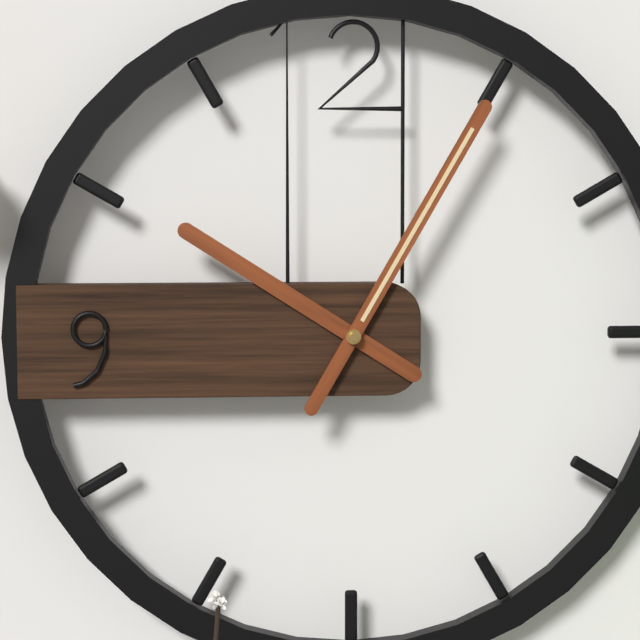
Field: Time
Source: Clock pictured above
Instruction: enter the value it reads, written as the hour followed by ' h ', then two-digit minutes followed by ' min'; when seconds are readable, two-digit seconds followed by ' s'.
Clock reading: 10 h 05 min
